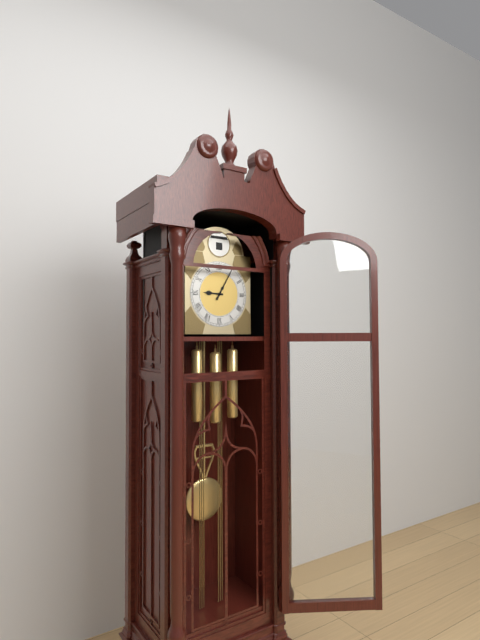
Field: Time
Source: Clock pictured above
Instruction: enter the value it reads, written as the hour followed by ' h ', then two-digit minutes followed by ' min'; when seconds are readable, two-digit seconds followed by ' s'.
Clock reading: 9 h 05 min
